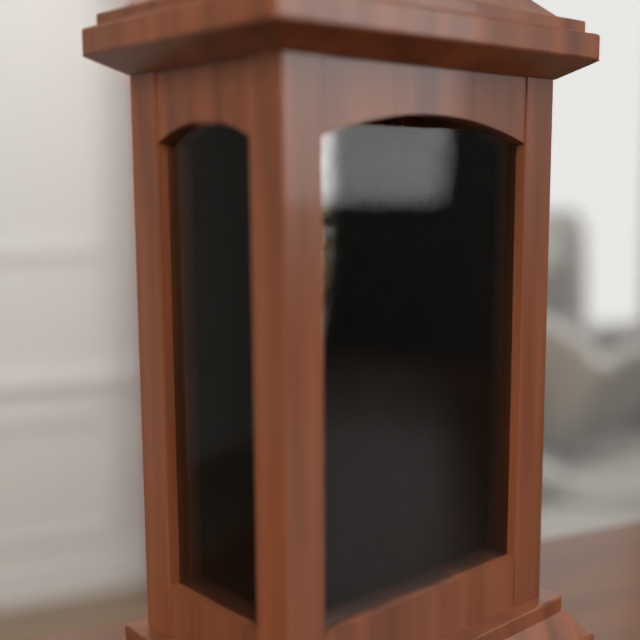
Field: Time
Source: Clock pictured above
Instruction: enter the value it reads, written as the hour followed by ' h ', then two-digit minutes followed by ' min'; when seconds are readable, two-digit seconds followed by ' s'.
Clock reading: 2 h 57 min
